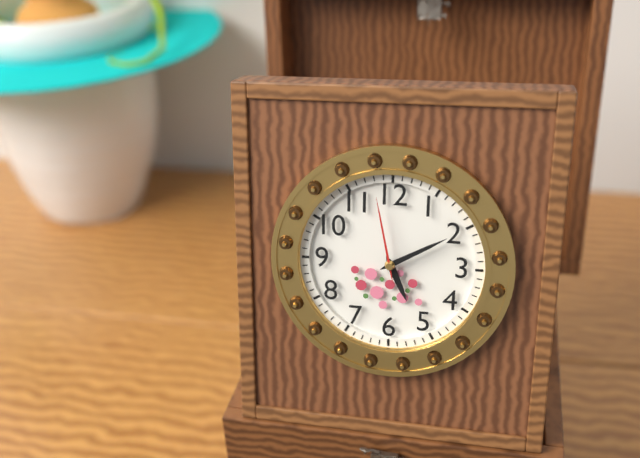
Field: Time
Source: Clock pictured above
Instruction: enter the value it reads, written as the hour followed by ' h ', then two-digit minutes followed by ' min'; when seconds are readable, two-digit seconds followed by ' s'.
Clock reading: 5 h 10 min 58 s
